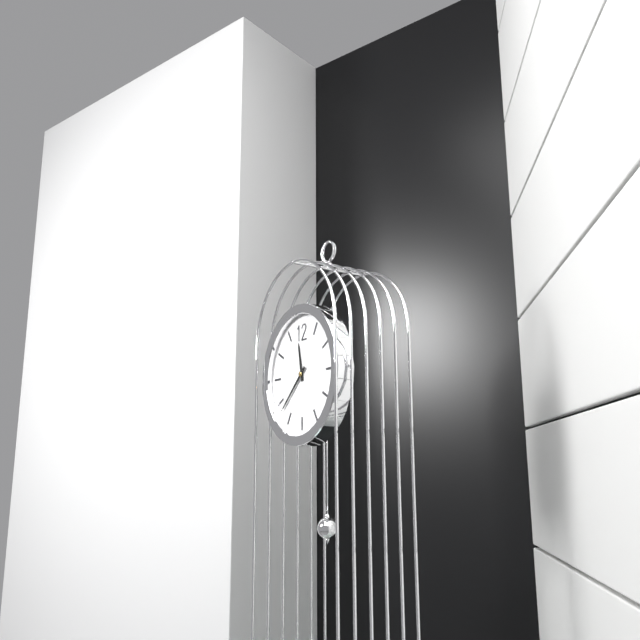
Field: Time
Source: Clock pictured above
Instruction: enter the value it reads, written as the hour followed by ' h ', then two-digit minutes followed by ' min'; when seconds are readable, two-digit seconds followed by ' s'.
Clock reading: 11 h 38 min
